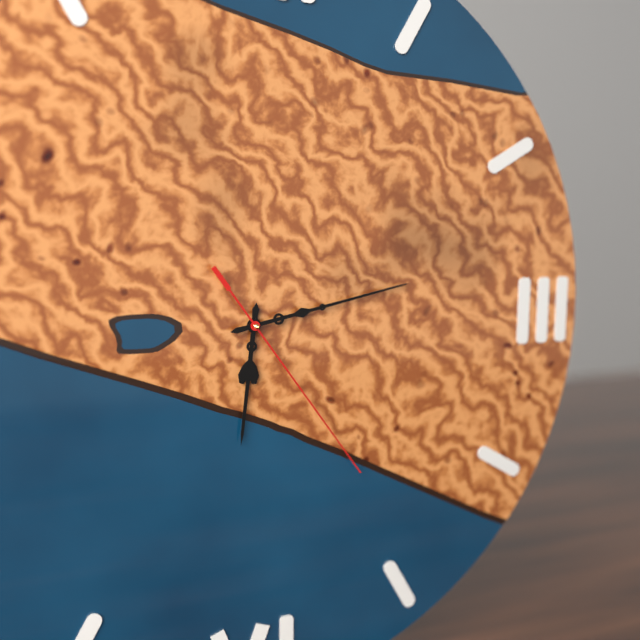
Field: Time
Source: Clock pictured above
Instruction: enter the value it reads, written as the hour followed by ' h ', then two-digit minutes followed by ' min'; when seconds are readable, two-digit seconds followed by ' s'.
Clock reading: 6 h 13 min 24 s
